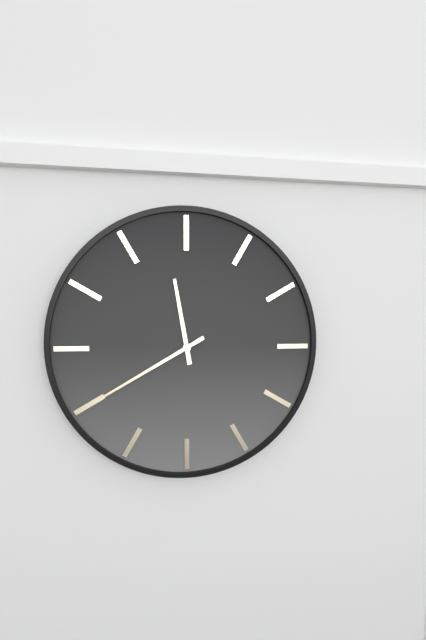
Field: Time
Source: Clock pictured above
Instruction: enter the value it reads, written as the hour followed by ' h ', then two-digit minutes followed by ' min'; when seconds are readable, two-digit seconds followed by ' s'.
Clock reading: 11 h 40 min
